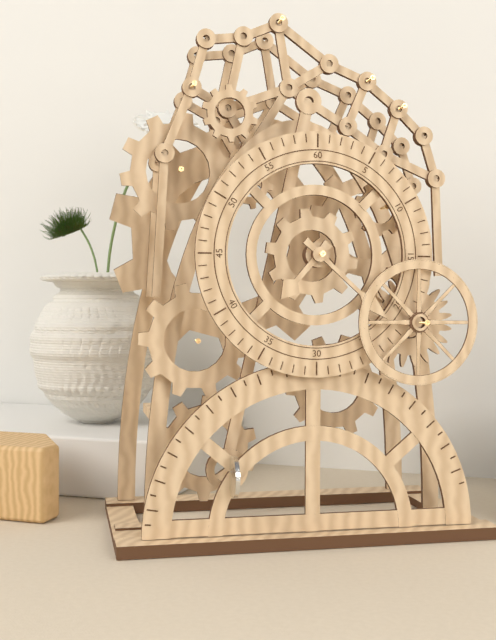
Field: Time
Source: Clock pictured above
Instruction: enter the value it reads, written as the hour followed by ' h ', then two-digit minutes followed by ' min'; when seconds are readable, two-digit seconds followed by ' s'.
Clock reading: 7 h 22 min
